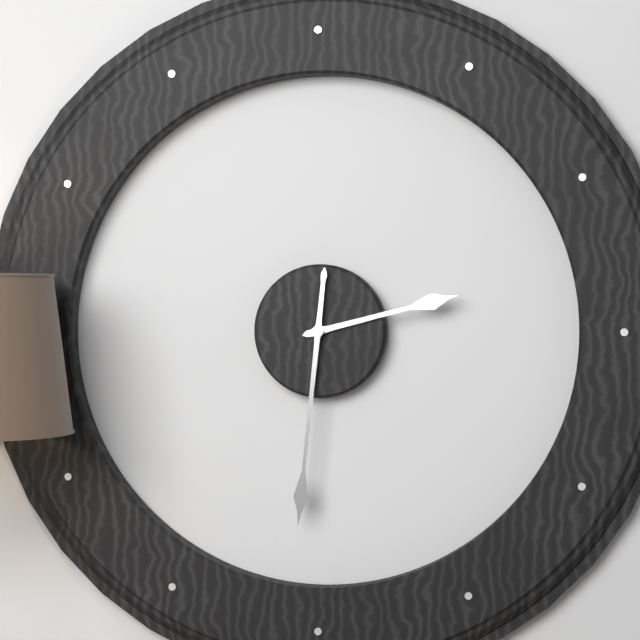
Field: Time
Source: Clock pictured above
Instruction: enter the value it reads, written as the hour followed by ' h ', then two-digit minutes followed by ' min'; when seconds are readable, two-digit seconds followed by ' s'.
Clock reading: 2 h 31 min
